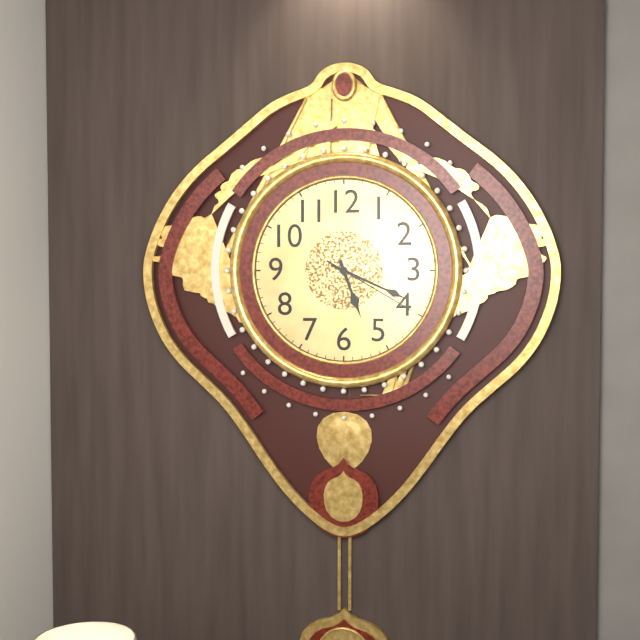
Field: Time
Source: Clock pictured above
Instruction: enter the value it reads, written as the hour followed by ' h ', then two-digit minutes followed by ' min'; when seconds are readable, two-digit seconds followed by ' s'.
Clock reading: 5 h 19 min 20 s
